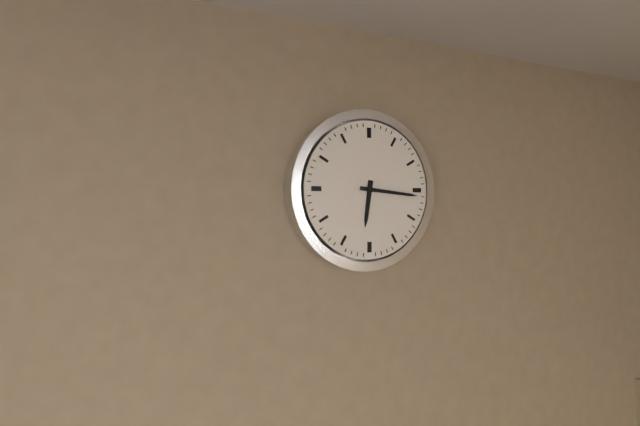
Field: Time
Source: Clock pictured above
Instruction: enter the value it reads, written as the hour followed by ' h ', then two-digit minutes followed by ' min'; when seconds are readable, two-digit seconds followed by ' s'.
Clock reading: 6 h 16 min
